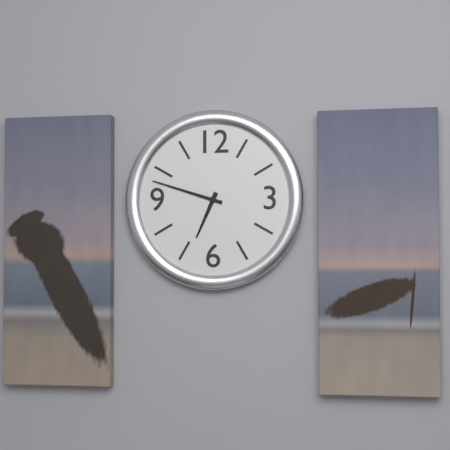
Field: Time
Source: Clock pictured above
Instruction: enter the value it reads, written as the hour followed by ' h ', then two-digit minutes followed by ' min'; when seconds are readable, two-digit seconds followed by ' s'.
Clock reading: 6 h 48 min
